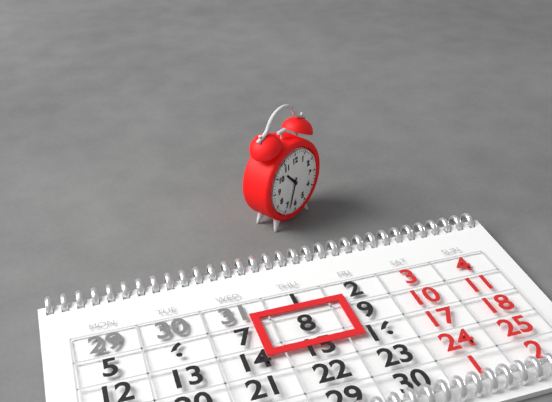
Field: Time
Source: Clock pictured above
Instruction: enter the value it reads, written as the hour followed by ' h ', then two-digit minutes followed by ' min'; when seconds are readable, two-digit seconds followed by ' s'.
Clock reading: 10 h 33 min
